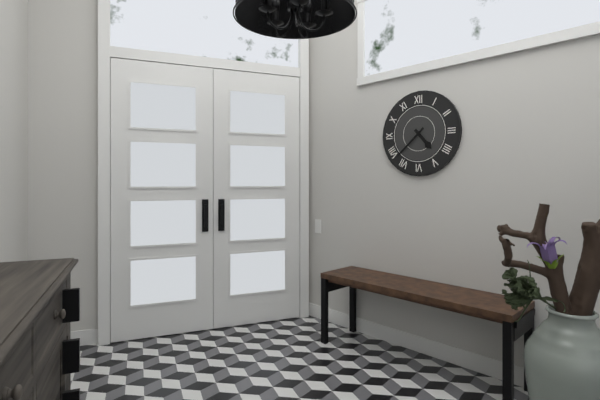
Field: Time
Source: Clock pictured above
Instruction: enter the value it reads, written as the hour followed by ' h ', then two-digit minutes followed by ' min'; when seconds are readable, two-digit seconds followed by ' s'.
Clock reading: 4 h 38 min
